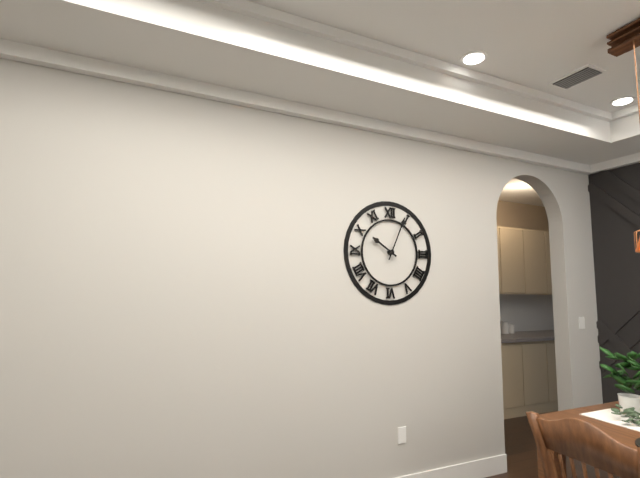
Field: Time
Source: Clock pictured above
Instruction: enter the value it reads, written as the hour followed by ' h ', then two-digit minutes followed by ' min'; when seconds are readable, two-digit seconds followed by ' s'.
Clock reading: 10 h 04 min
